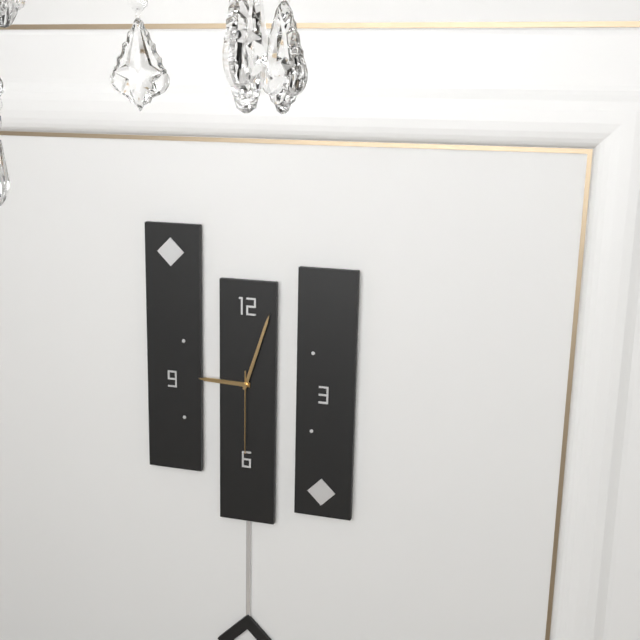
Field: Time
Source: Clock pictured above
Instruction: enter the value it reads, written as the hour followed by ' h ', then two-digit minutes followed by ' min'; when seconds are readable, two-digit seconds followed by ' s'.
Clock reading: 9 h 03 min 30 s
